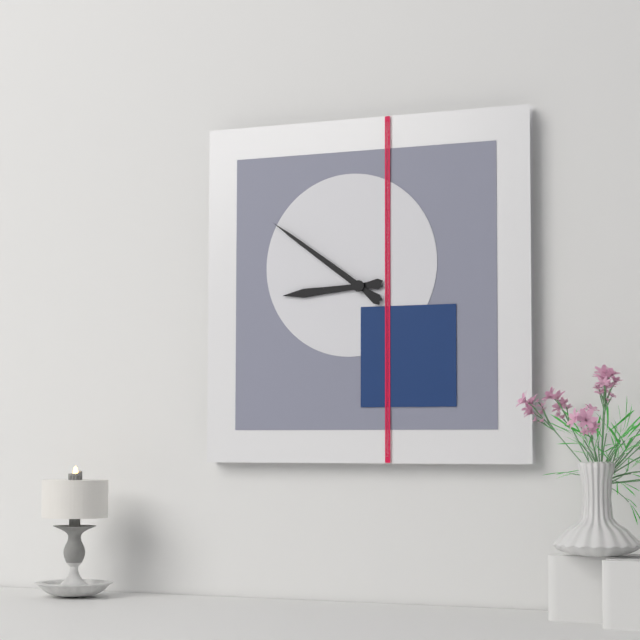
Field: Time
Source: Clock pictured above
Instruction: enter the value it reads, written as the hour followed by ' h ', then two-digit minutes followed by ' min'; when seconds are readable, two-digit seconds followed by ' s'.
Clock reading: 8 h 51 min
